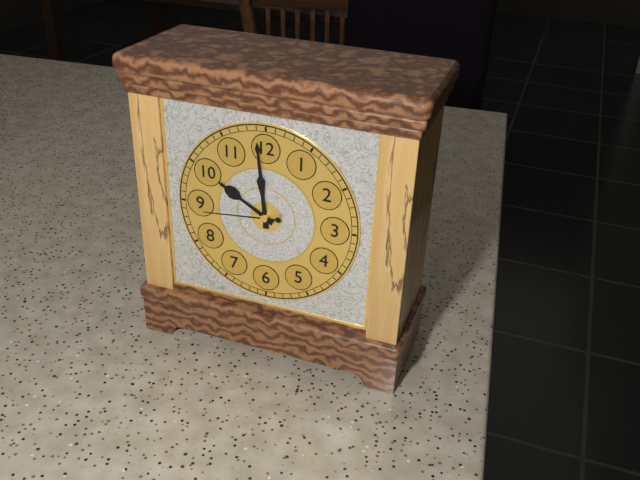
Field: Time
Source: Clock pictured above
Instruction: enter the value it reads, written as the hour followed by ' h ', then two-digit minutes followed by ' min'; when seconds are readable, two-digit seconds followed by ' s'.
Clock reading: 9 h 59 min 44 s
